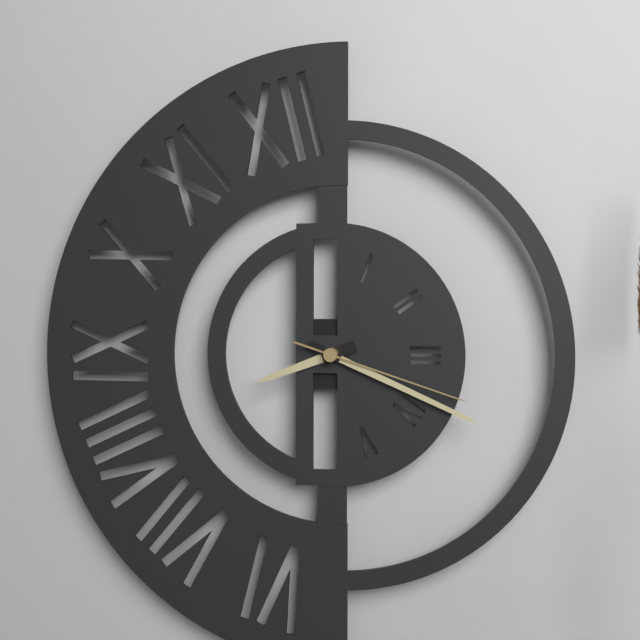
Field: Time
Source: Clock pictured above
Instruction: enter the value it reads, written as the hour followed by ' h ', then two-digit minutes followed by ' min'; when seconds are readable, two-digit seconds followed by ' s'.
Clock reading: 8 h 19 min 18 s
